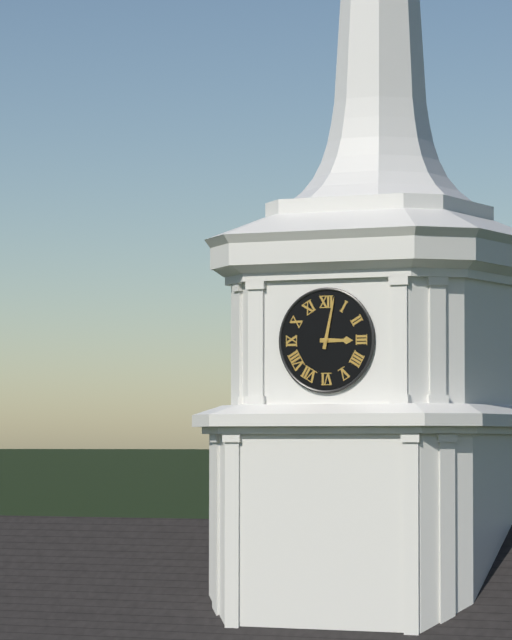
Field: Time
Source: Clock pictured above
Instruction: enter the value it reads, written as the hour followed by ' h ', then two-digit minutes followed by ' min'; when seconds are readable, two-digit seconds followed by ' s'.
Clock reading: 3 h 02 min
